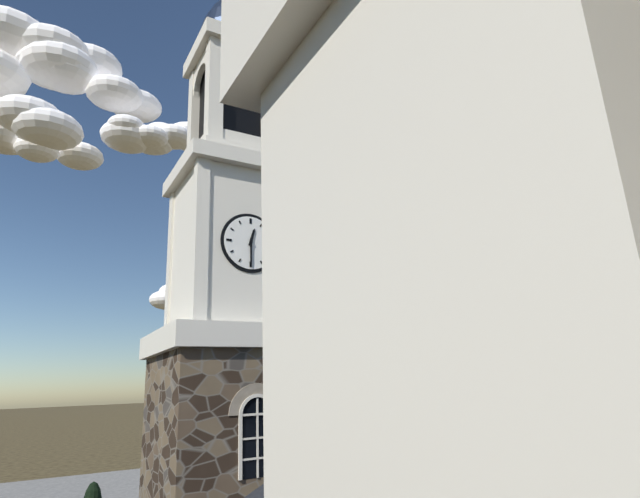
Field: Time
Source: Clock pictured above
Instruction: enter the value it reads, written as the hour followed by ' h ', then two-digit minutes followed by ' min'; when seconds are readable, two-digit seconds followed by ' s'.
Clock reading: 12 h 30 min
